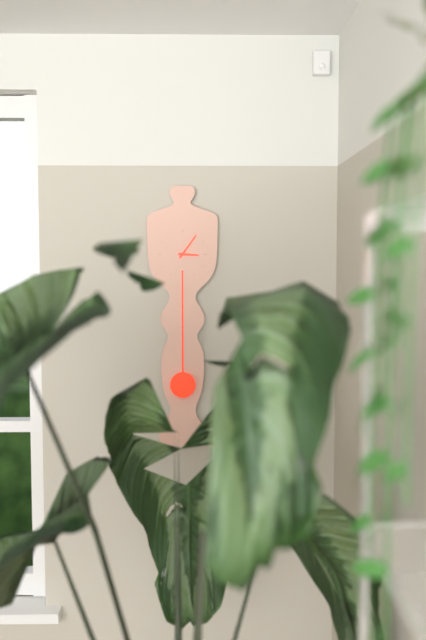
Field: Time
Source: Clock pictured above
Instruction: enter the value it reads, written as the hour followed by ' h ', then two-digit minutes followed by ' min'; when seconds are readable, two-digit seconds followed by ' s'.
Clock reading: 3 h 06 min
